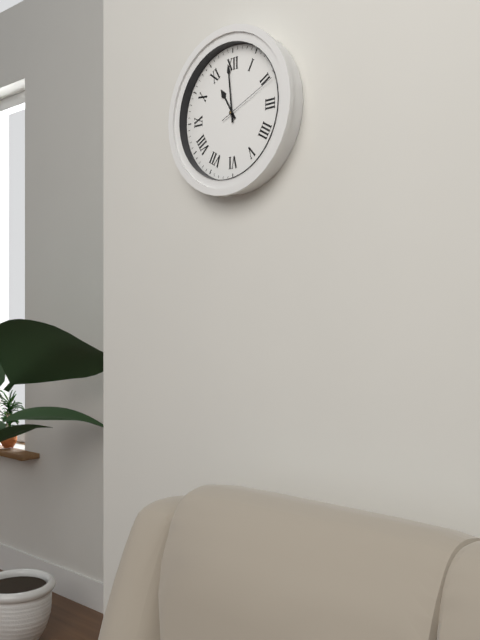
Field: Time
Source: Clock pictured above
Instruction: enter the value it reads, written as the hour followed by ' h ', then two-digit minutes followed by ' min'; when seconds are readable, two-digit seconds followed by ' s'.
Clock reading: 10 h 59 min 11 s
